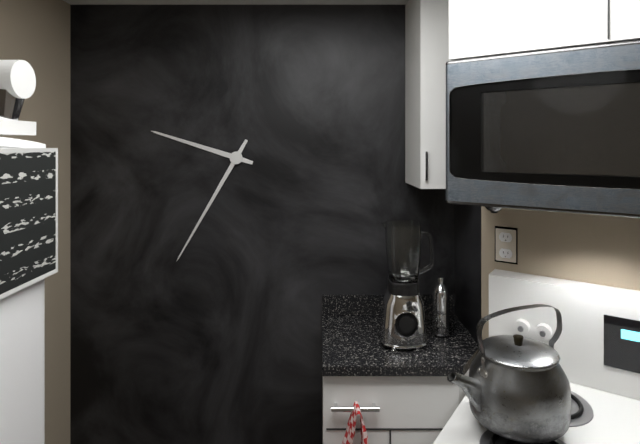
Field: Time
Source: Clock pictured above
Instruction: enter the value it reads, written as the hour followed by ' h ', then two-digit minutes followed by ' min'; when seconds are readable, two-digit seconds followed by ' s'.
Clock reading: 9 h 35 min
